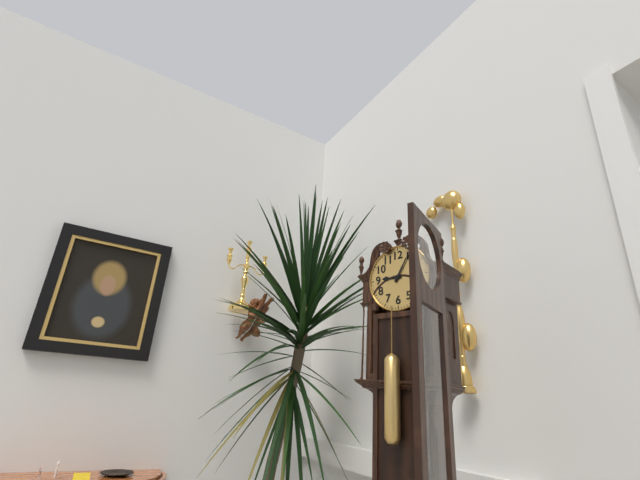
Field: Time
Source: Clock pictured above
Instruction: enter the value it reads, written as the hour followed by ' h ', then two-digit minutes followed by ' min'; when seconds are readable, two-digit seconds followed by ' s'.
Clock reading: 9 h 05 min
